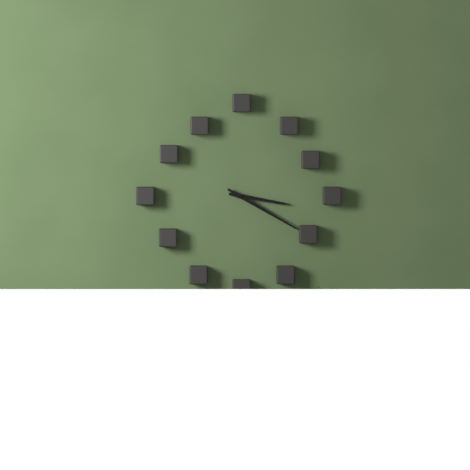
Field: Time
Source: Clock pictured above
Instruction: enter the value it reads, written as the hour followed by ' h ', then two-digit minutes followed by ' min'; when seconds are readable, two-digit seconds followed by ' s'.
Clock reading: 3 h 20 min
